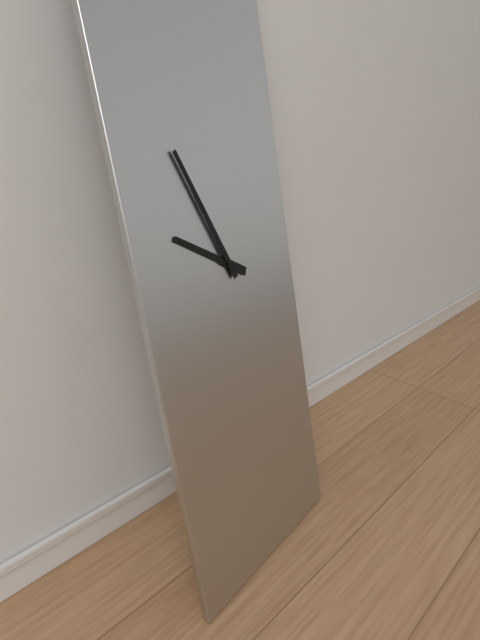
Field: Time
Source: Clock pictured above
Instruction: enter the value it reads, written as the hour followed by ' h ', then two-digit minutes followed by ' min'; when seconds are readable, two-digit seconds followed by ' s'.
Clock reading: 9 h 56 min
